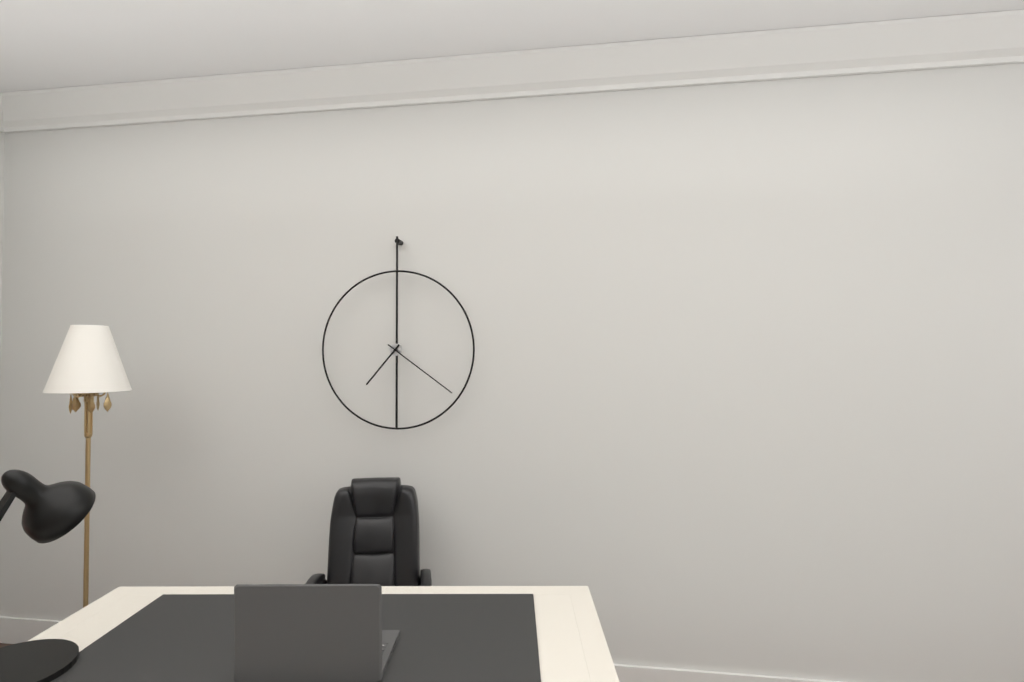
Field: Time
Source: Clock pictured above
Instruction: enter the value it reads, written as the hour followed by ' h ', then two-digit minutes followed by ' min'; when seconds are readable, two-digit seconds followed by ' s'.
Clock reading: 7 h 21 min
